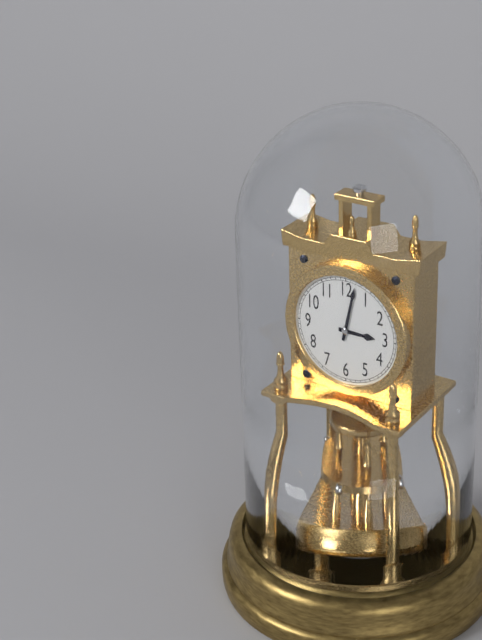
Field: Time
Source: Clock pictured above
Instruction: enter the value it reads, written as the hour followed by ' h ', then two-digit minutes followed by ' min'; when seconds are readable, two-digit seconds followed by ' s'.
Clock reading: 3 h 02 min
